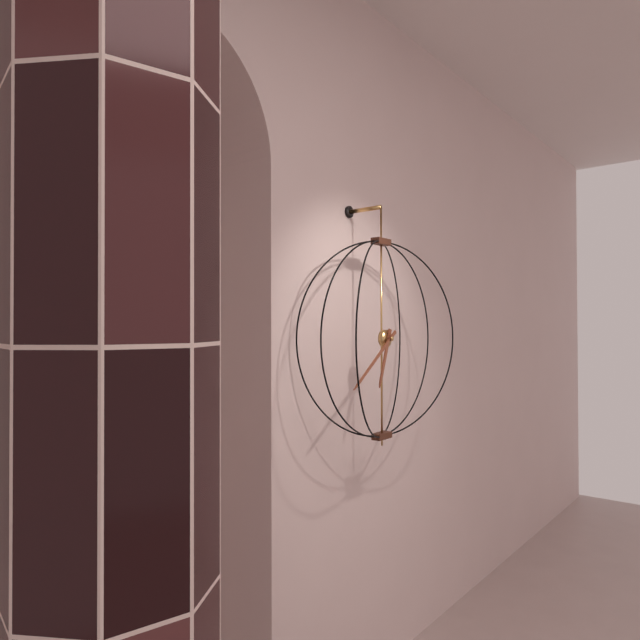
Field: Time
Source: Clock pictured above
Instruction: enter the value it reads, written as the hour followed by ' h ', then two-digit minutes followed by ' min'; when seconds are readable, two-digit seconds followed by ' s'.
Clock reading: 6 h 39 min
